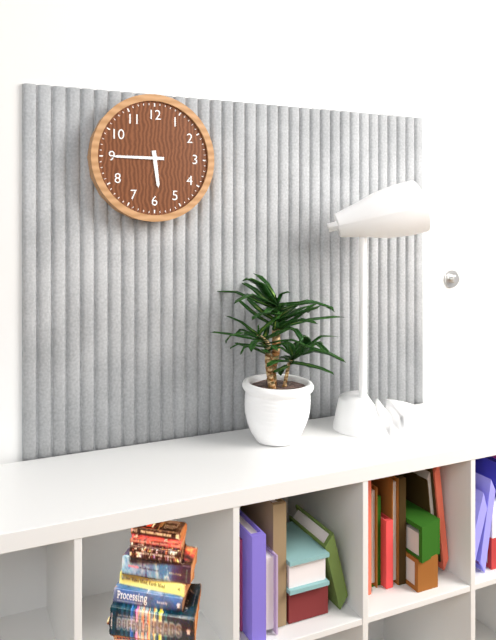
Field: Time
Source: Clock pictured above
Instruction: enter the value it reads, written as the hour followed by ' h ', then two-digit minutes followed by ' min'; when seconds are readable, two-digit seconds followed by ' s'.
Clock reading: 5 h 45 min
